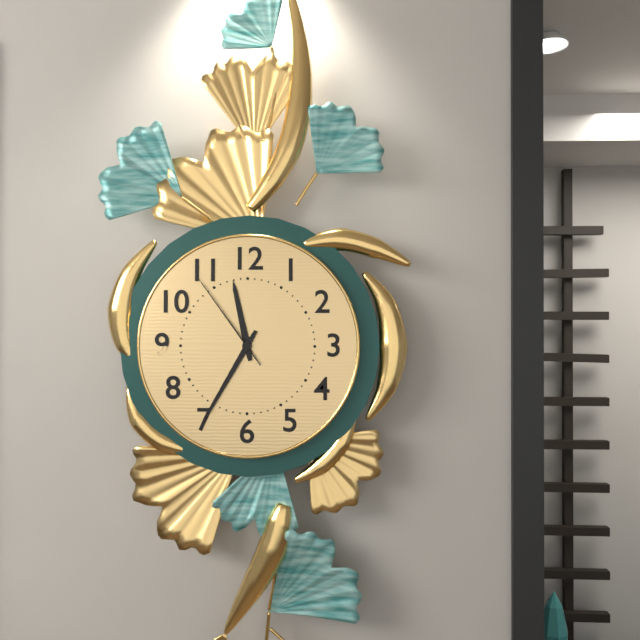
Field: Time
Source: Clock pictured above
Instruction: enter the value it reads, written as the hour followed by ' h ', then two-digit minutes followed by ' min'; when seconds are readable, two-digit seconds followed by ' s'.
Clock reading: 11 h 35 min 54 s
